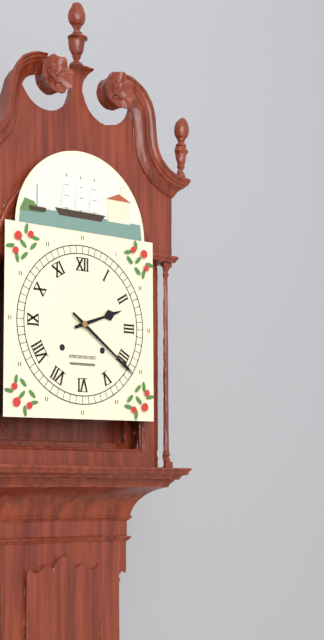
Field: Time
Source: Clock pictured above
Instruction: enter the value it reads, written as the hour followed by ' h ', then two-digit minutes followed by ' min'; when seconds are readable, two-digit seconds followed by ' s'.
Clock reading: 2 h 21 min
